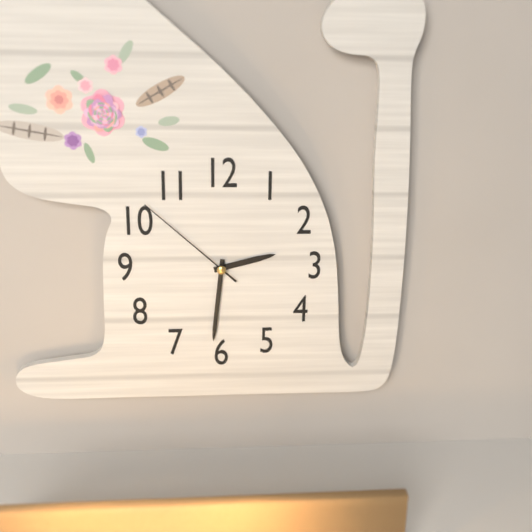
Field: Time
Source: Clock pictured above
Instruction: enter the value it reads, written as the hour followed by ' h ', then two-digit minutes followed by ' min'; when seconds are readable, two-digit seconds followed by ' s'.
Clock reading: 2 h 31 min 52 s
